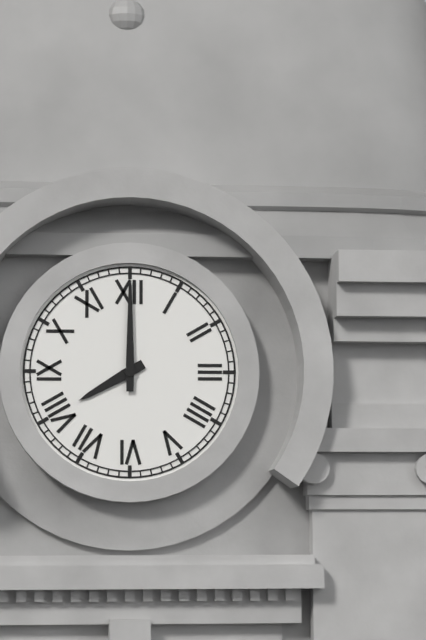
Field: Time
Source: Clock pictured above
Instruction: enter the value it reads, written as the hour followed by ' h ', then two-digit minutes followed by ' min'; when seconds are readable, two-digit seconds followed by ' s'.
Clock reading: 8 h 00 min
